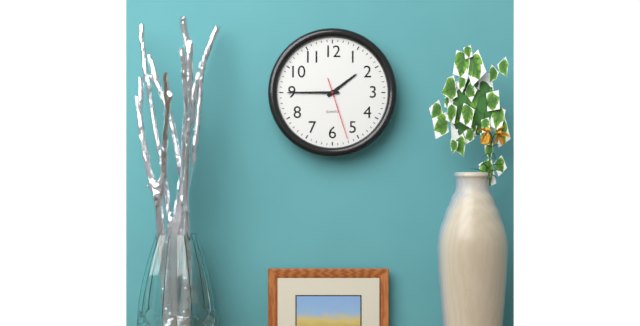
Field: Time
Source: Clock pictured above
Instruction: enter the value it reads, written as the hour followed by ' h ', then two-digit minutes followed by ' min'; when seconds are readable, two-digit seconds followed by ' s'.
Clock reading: 1 h 45 min 27 s
